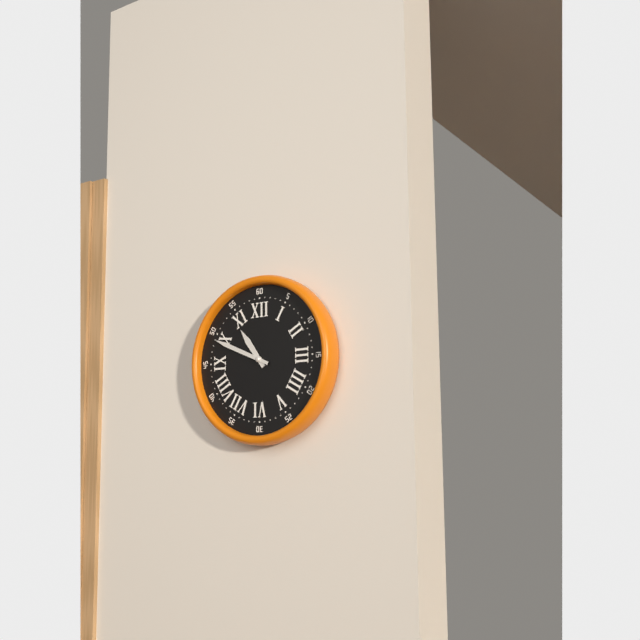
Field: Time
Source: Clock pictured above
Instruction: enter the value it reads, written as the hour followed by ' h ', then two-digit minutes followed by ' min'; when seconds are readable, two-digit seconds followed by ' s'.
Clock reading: 10 h 49 min
